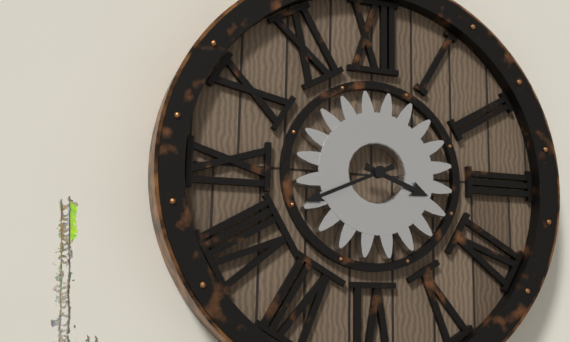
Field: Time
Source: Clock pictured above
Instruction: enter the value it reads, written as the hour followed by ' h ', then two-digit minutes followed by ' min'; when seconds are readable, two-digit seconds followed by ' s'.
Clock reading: 3 h 41 min
